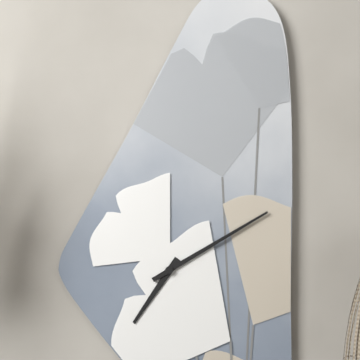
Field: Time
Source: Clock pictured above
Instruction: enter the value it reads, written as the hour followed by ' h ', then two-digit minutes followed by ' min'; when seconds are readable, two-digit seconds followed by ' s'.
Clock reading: 7 h 10 min
